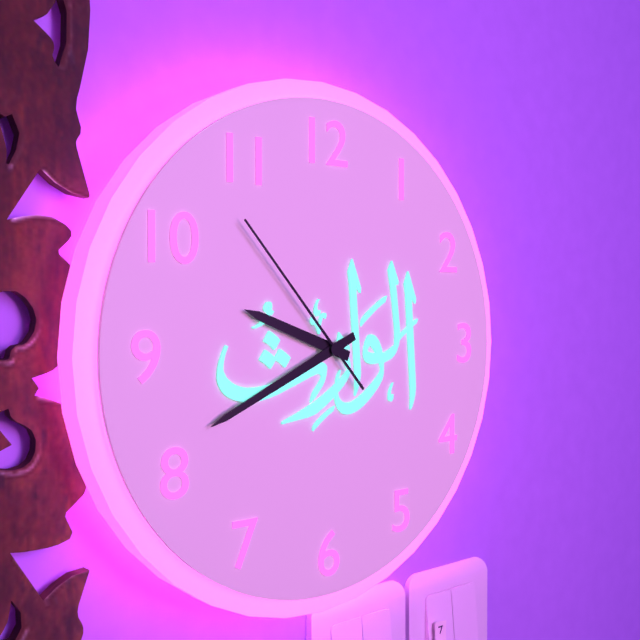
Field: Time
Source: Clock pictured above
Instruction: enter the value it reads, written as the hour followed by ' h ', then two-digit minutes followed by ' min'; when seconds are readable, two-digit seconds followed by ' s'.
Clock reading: 9 h 41 min 53 s
